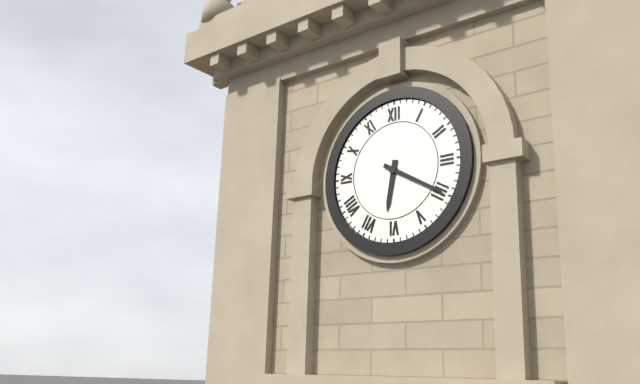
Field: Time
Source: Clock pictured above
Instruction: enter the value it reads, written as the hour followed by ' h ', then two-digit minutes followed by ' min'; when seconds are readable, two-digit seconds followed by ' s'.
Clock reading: 6 h 20 min
